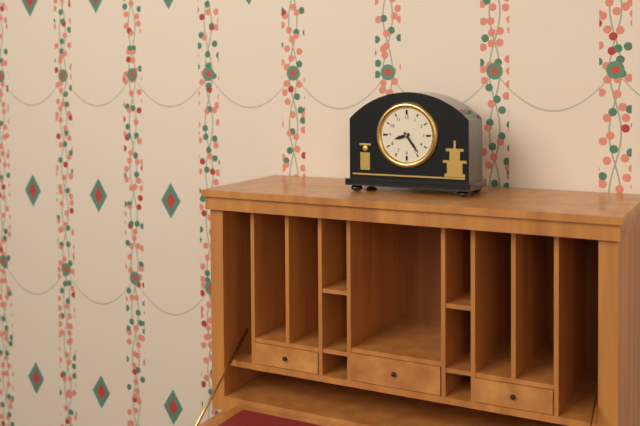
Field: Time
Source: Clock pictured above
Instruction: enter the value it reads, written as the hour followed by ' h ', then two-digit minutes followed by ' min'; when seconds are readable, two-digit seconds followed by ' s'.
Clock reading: 8 h 24 min
